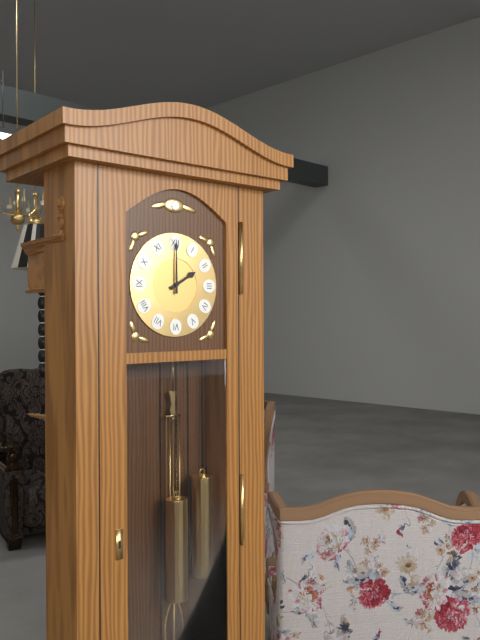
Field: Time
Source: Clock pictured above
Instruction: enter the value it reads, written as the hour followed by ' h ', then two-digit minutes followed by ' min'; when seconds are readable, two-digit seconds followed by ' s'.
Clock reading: 2 h 00 min
